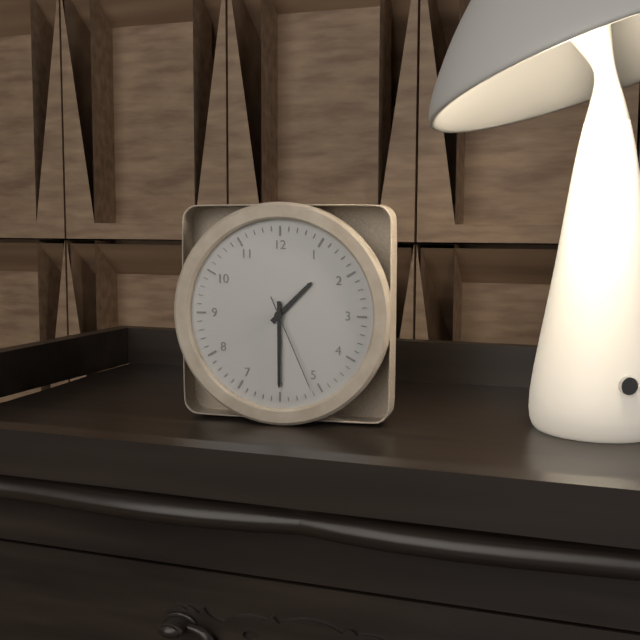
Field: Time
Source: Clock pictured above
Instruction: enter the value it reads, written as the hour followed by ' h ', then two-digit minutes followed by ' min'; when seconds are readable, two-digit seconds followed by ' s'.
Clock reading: 1 h 30 min 26 s
